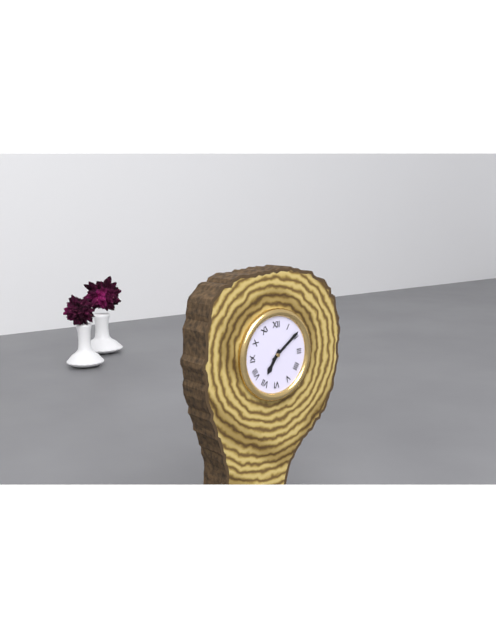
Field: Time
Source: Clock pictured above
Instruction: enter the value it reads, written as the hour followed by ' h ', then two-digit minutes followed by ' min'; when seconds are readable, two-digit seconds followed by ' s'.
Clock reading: 7 h 09 min
